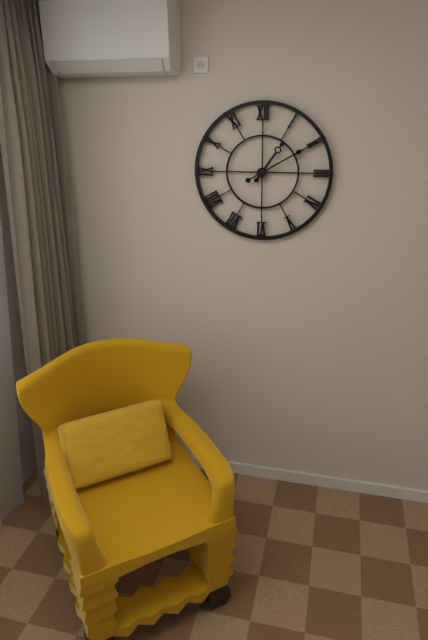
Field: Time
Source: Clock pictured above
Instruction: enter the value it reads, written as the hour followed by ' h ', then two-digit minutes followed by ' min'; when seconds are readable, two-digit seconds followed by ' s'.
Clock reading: 1 h 10 min
